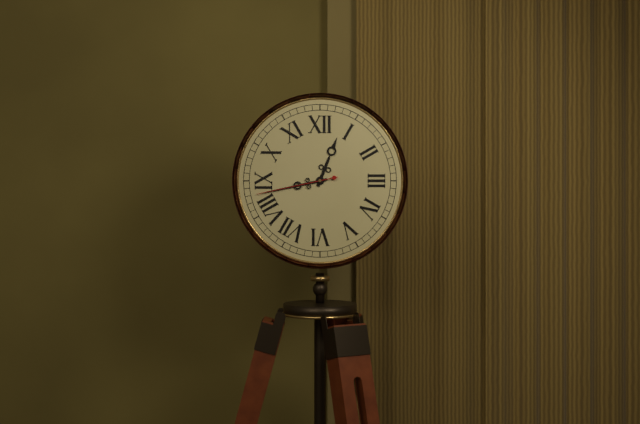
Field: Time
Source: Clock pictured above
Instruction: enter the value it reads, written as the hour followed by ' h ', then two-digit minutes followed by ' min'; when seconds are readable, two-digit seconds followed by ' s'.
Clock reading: 12 h 43 min 43 s
